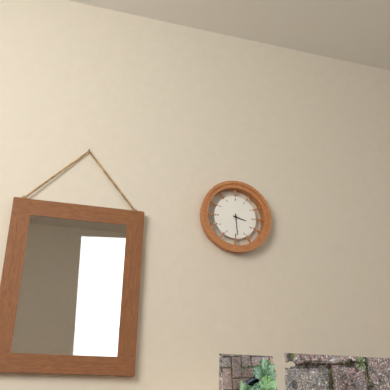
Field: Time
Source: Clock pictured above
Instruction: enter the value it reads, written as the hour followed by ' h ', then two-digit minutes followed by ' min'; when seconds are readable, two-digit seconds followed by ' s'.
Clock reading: 3 h 29 min
